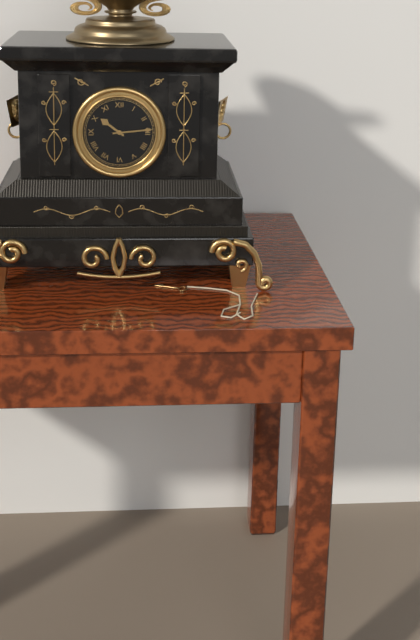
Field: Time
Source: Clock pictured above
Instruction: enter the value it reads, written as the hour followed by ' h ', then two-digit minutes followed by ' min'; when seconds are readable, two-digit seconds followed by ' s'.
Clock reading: 10 h 14 min
